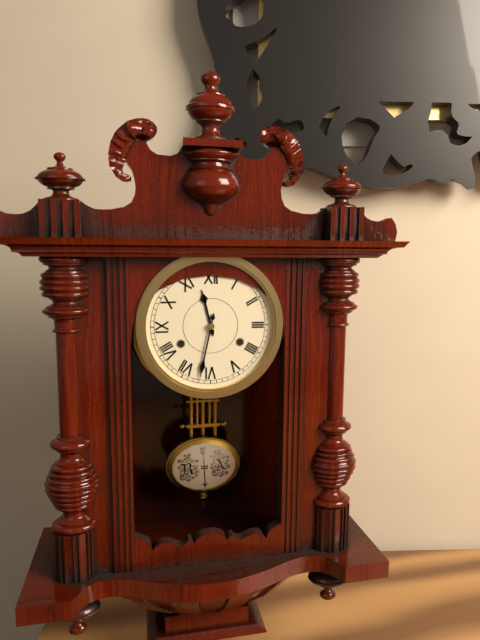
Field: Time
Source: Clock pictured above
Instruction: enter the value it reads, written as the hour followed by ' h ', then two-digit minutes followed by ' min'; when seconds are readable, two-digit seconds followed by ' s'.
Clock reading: 11 h 32 min
